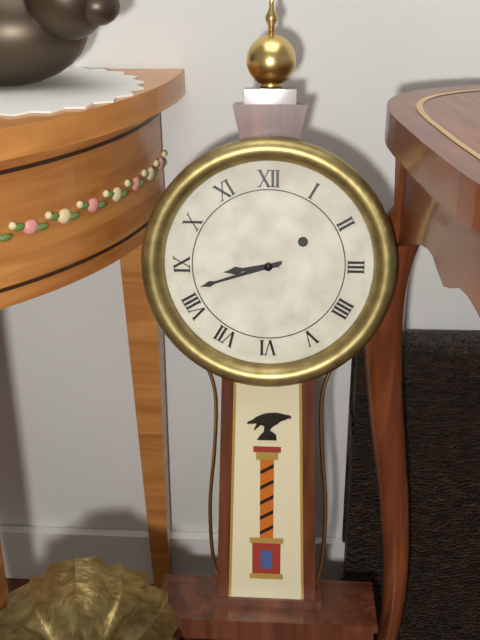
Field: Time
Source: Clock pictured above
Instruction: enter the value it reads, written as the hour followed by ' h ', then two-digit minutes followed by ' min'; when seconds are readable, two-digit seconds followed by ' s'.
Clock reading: 8 h 42 min
